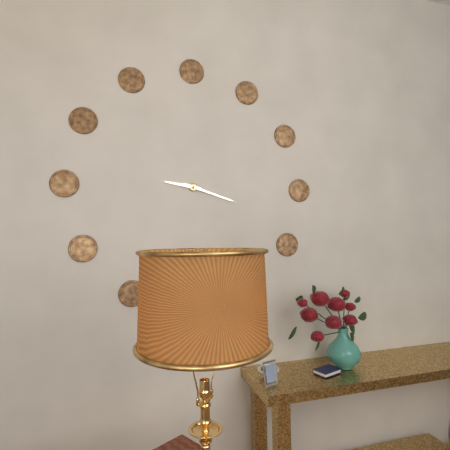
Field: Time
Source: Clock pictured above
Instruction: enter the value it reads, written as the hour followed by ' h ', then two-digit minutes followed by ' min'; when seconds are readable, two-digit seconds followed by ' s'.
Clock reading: 9 h 18 min
